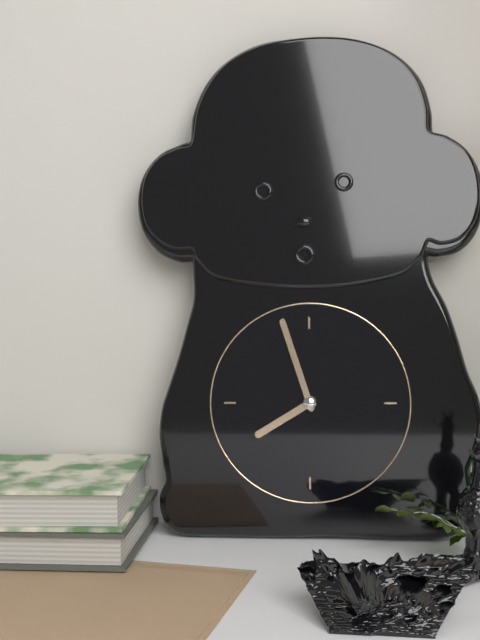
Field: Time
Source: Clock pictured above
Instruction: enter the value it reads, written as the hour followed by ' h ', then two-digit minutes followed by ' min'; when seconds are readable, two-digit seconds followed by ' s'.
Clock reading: 7 h 57 min
